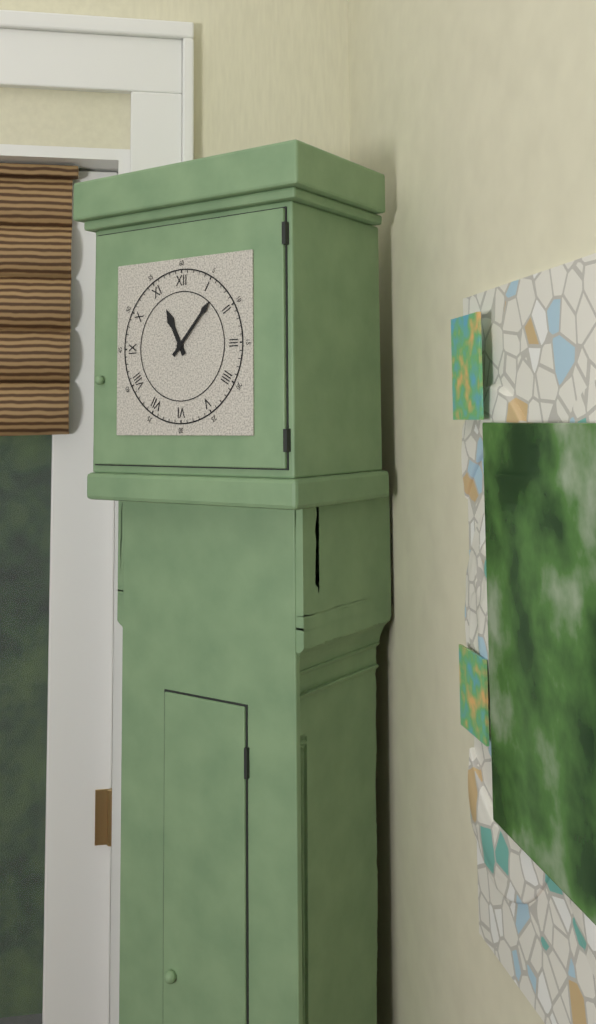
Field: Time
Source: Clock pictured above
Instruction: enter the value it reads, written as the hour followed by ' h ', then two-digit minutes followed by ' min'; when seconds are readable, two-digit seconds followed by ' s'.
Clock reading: 11 h 07 min
